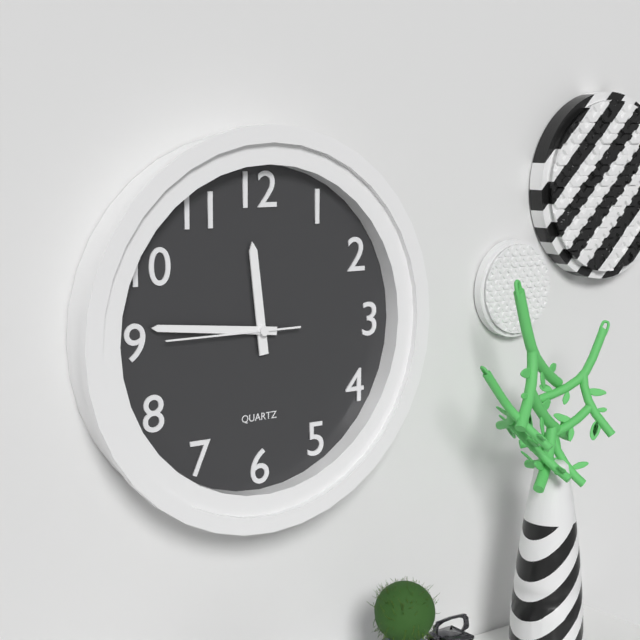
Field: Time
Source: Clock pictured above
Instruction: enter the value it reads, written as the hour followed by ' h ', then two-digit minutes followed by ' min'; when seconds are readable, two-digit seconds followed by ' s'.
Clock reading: 11 h 46 min 45 s
